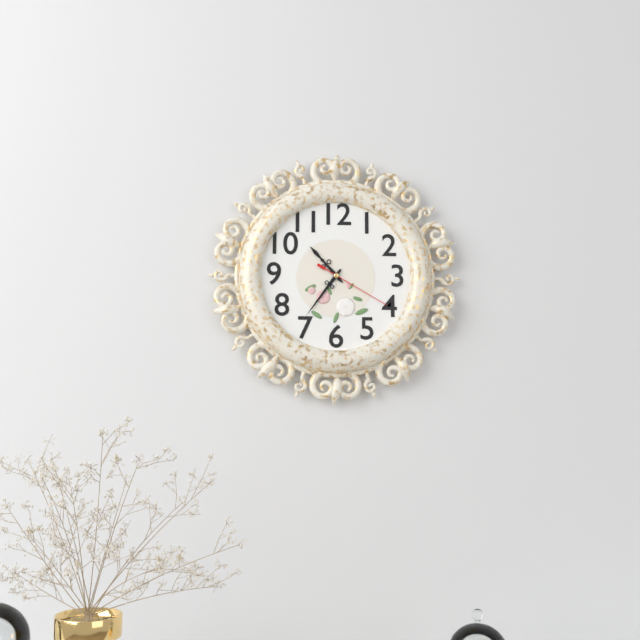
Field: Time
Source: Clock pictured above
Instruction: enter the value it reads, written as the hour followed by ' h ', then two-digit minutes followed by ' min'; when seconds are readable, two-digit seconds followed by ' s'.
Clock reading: 10 h 36 min 20 s
